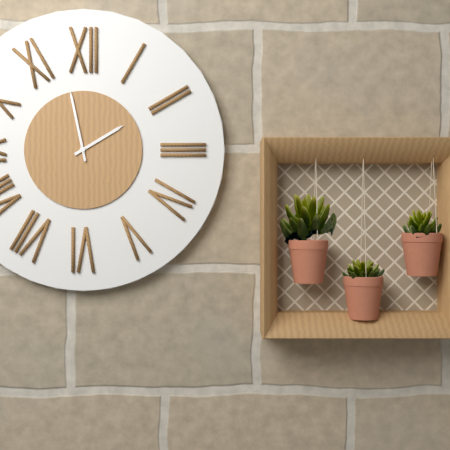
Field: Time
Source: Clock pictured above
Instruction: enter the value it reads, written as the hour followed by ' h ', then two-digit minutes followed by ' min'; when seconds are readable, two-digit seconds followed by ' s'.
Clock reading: 1 h 58 min
